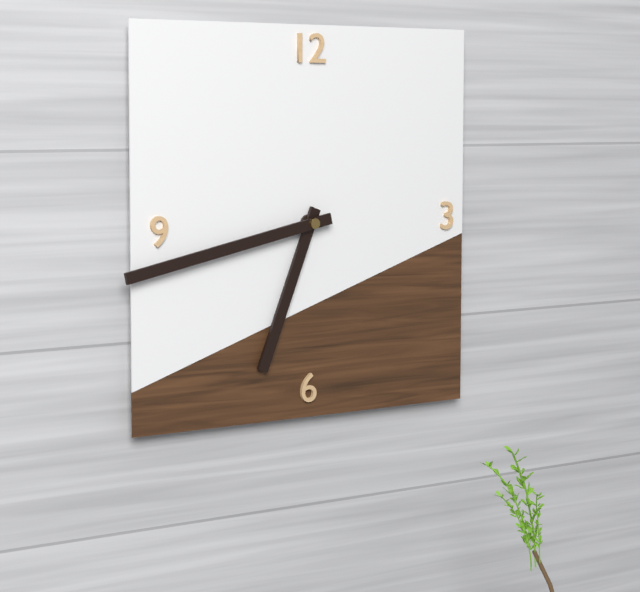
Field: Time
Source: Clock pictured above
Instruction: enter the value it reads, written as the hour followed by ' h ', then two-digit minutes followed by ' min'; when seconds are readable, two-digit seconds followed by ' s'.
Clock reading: 6 h 43 min
